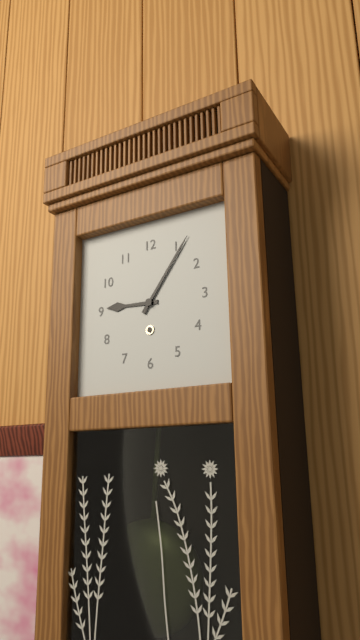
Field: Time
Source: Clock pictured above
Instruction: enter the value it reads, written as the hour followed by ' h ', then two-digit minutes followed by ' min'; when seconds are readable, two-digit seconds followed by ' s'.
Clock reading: 9 h 06 min
